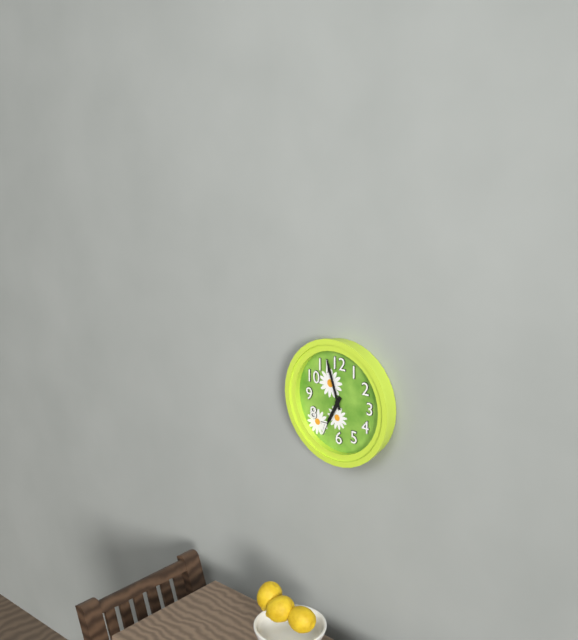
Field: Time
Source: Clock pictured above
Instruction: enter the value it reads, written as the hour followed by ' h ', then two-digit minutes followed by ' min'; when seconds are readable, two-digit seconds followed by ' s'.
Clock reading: 6 h 57 min
